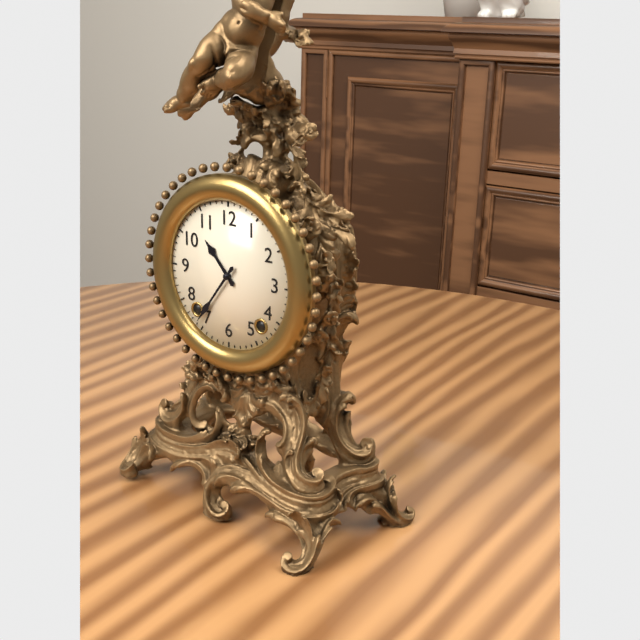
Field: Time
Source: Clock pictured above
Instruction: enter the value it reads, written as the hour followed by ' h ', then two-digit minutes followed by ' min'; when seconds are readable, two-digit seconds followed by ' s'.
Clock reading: 10 h 36 min
